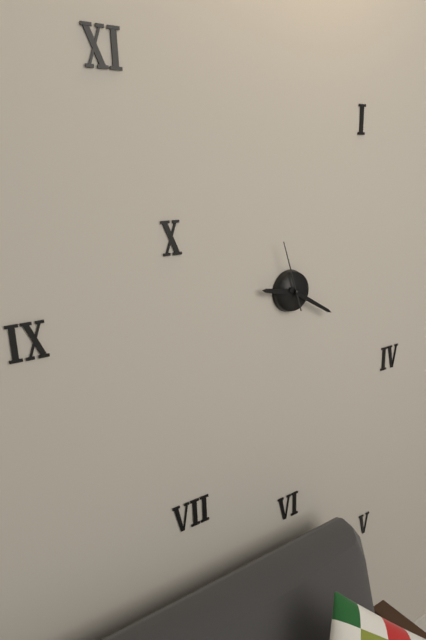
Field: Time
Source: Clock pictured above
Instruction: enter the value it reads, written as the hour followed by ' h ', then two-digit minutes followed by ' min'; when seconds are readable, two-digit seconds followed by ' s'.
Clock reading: 9 h 20 min 57 s
